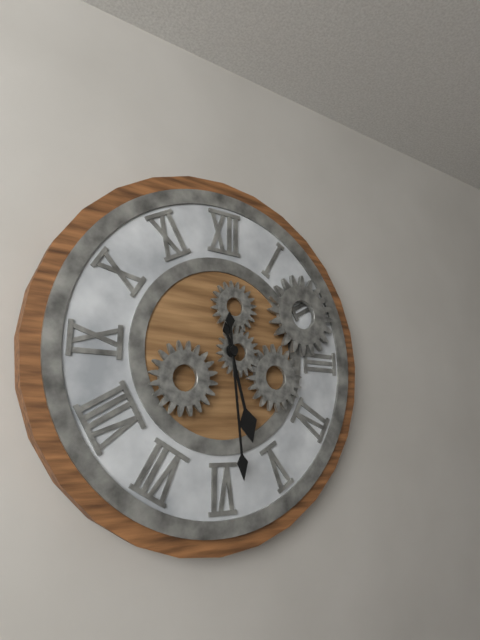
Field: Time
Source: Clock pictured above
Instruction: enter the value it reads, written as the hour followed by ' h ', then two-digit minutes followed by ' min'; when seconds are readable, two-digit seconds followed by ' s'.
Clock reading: 5 h 29 min
